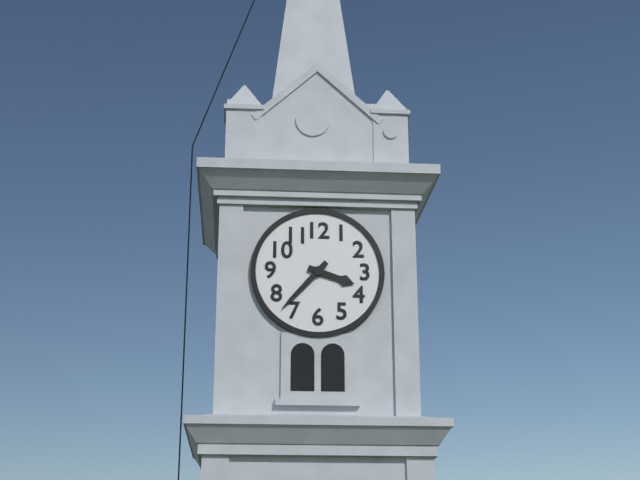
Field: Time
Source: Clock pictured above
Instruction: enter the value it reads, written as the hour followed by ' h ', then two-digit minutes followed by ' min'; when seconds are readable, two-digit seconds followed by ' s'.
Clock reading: 3 h 37 min
